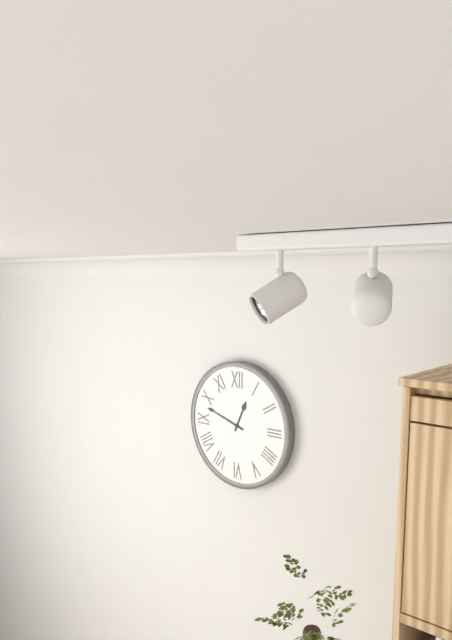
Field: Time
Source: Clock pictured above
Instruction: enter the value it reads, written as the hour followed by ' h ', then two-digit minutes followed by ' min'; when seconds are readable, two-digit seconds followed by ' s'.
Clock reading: 12 h 48 min
